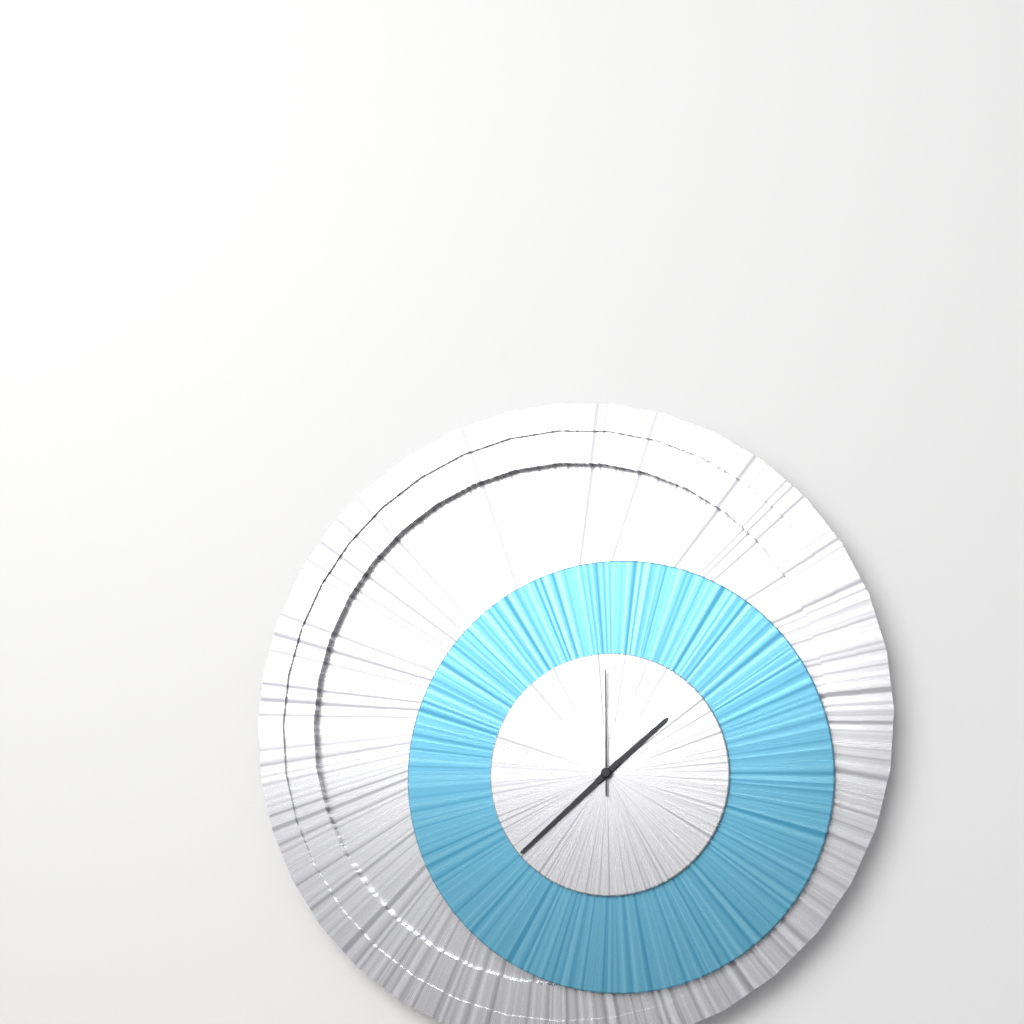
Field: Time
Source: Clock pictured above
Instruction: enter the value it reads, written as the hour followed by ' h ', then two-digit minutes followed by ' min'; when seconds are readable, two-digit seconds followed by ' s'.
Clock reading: 1 h 38 min 00 s
